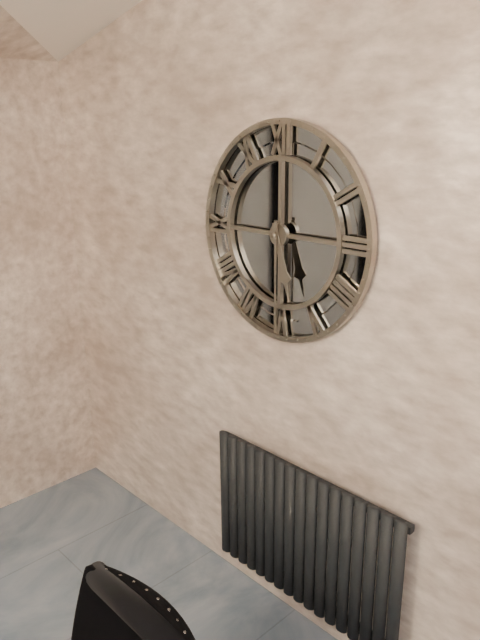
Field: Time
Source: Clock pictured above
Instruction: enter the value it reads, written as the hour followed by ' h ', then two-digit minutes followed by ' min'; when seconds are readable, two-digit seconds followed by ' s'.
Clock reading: 5 h 30 min
